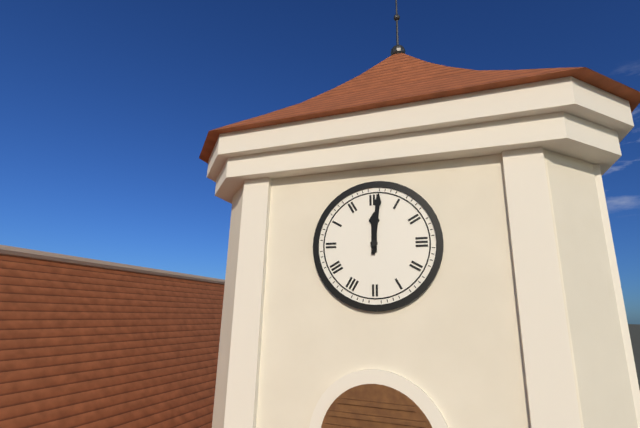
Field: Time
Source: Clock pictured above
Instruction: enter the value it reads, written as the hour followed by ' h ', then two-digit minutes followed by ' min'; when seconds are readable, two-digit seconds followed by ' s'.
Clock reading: 12 h 01 min
